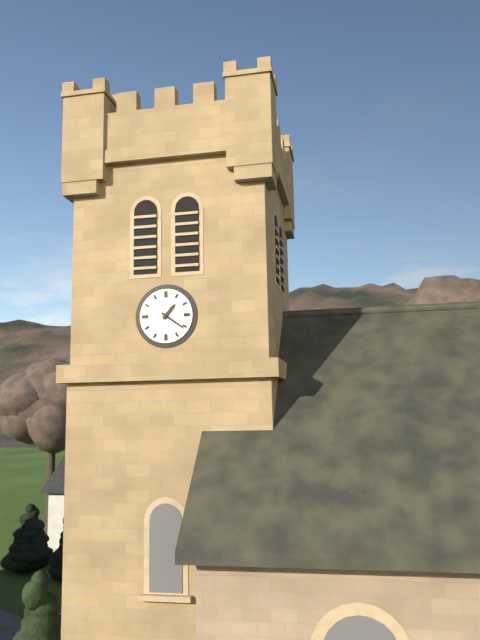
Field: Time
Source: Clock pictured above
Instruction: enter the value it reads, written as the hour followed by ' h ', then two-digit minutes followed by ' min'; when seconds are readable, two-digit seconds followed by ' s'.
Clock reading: 1 h 21 min
